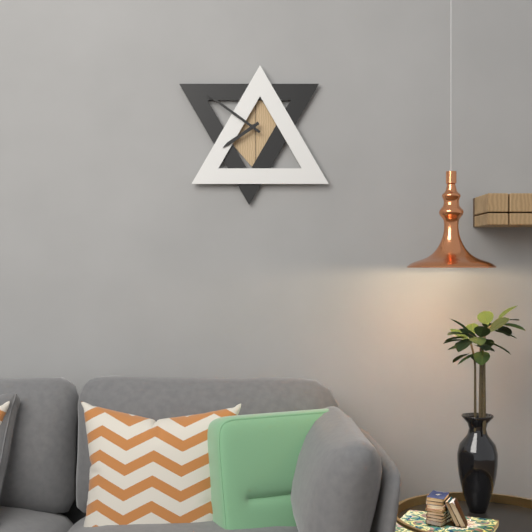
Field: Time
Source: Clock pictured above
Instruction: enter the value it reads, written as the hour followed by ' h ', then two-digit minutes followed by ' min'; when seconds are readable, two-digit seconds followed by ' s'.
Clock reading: 7 h 51 min
